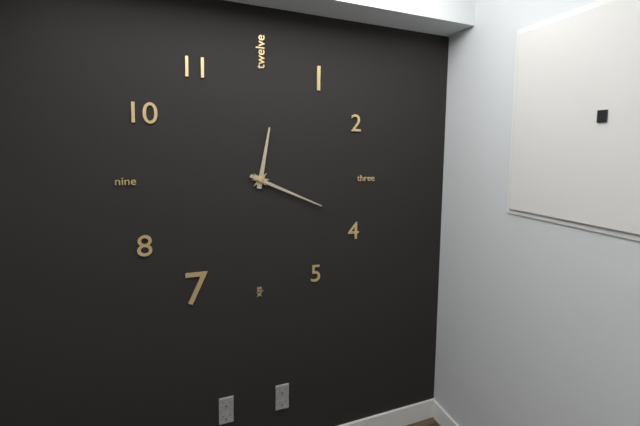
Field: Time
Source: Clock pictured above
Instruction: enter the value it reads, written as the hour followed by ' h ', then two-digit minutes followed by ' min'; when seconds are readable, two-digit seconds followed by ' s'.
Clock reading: 12 h 19 min
